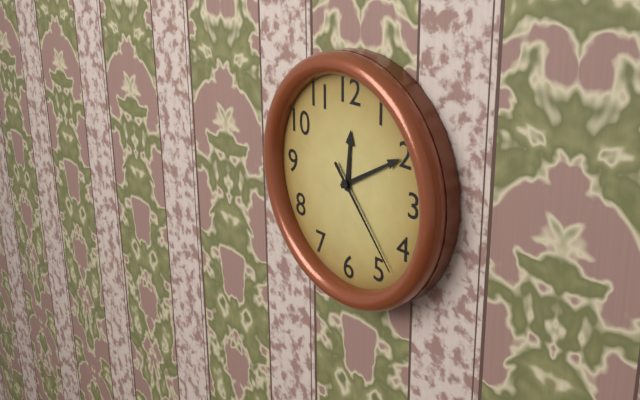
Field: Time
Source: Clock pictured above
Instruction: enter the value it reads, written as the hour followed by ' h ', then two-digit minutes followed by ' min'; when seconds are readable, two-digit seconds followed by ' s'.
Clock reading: 12 h 10 min 23 s
